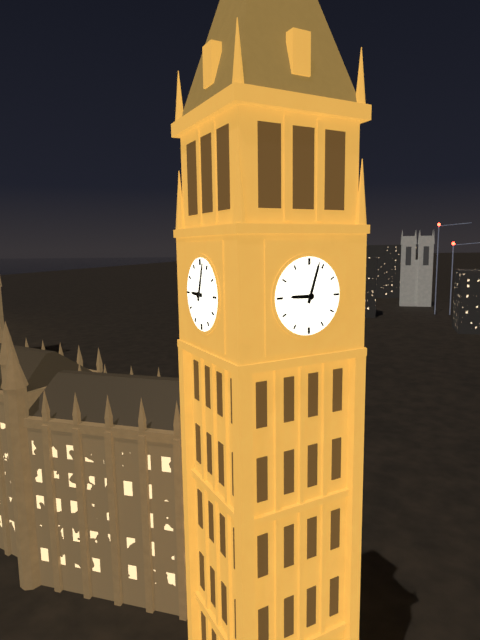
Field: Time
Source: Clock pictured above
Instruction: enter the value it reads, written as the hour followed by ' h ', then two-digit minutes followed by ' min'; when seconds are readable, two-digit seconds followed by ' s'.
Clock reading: 9 h 03 min
